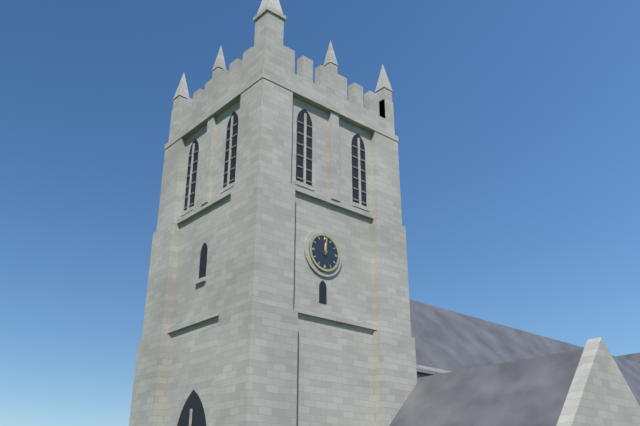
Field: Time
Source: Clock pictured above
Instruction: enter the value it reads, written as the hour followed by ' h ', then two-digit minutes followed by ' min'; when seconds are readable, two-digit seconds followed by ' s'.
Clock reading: 12 h 01 min
